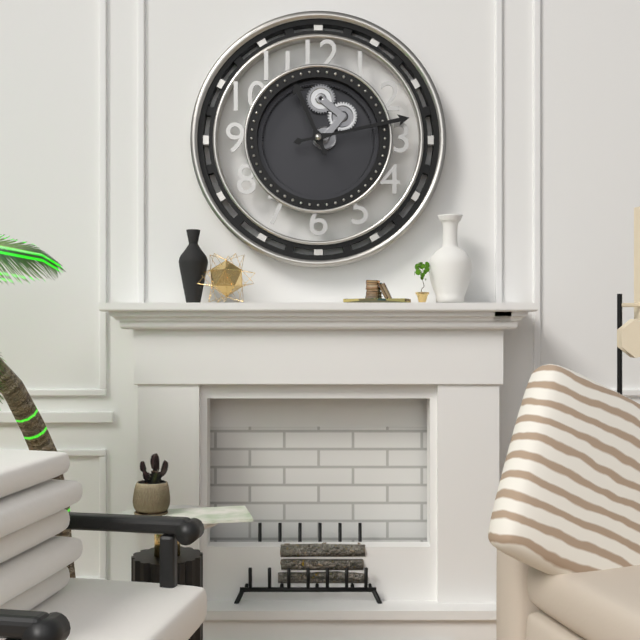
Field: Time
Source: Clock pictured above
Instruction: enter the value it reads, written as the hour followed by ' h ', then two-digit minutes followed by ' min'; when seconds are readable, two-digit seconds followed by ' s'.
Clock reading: 11 h 13 min
